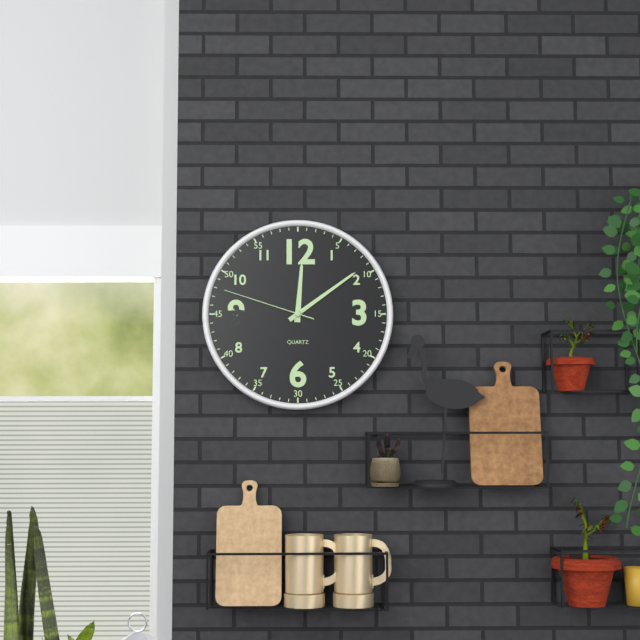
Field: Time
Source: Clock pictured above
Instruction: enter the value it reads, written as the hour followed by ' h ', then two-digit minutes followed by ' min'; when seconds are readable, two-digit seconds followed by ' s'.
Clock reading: 12 h 09 min 48 s
